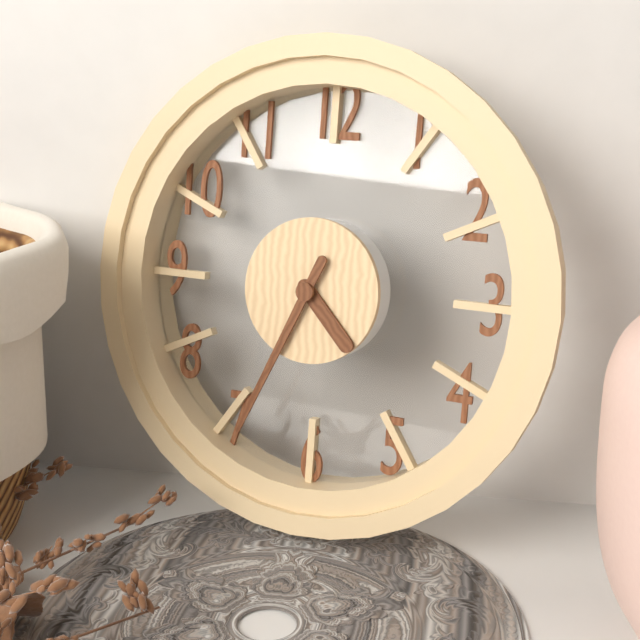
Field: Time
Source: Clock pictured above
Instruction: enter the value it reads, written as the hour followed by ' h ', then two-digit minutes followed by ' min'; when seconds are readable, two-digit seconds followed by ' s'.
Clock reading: 4 h 34 min
